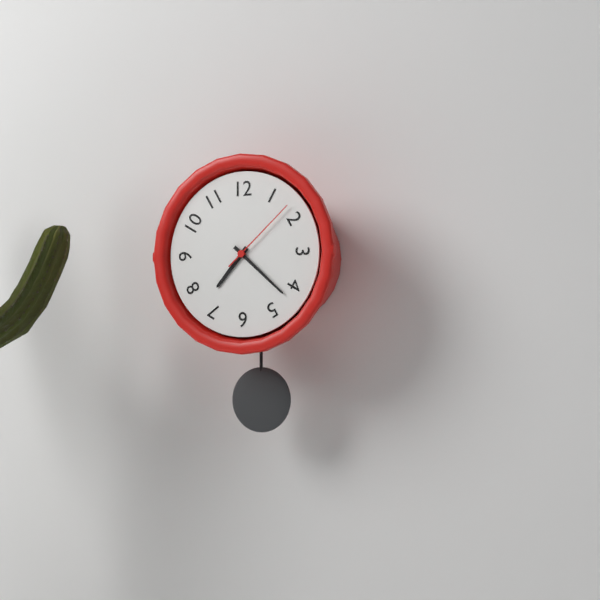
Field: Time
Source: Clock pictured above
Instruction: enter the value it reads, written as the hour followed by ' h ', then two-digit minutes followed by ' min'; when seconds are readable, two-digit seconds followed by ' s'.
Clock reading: 7 h 22 min 08 s
